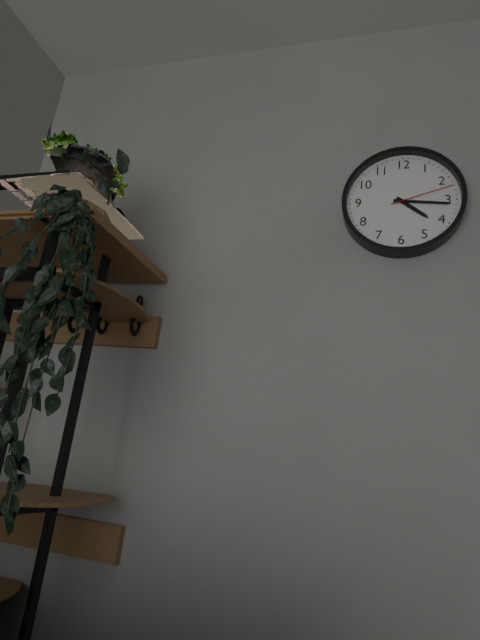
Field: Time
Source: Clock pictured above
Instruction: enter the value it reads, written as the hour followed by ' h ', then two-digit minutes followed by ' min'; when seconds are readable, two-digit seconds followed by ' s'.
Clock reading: 4 h 16 min 12 s
